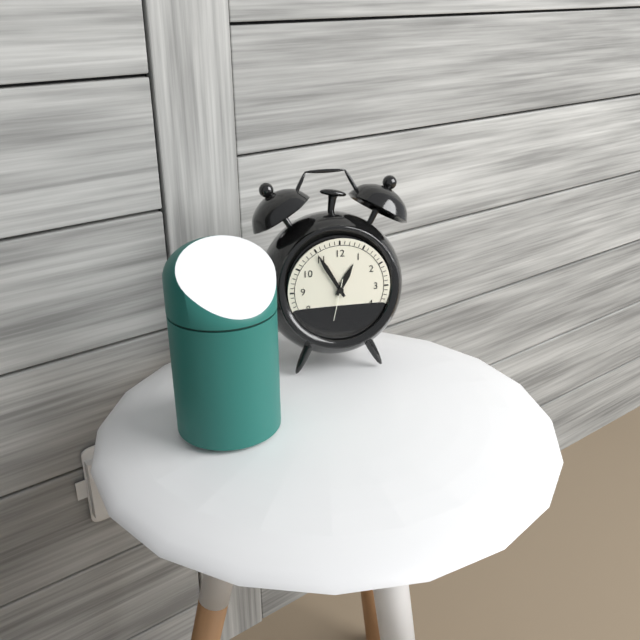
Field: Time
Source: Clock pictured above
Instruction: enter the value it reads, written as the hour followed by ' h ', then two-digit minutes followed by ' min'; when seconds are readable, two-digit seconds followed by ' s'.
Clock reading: 12 h 55 min 32 s
